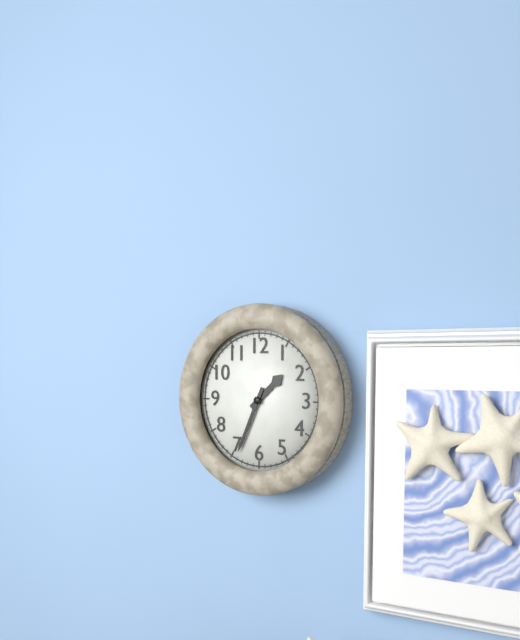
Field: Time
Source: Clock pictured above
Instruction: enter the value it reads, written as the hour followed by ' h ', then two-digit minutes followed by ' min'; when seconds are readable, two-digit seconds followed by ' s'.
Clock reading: 1 h 34 min
